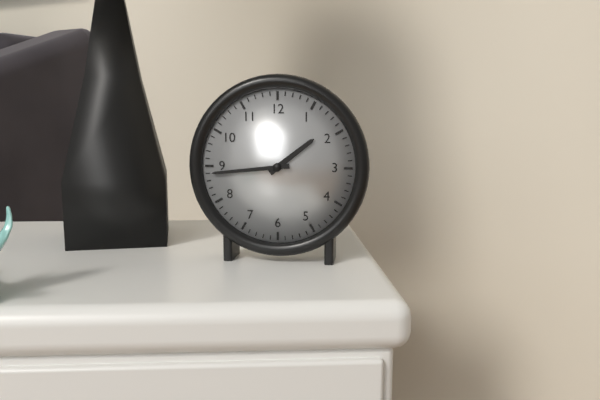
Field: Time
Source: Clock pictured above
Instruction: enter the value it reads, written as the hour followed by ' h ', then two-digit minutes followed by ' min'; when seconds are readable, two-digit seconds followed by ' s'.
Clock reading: 1 h 44 min
